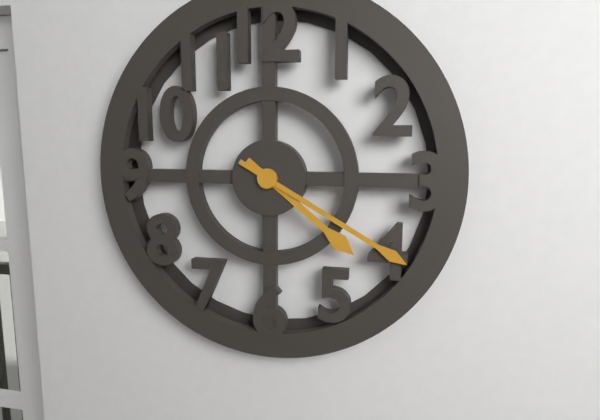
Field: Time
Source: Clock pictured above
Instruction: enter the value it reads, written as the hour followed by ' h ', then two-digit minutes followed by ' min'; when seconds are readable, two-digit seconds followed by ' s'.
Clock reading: 4 h 20 min
